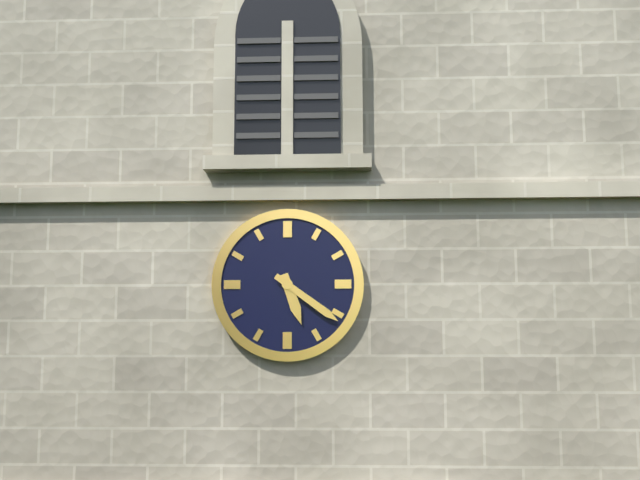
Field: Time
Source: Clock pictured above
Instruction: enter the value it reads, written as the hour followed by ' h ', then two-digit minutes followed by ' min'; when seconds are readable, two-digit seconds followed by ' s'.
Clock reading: 5 h 21 min
